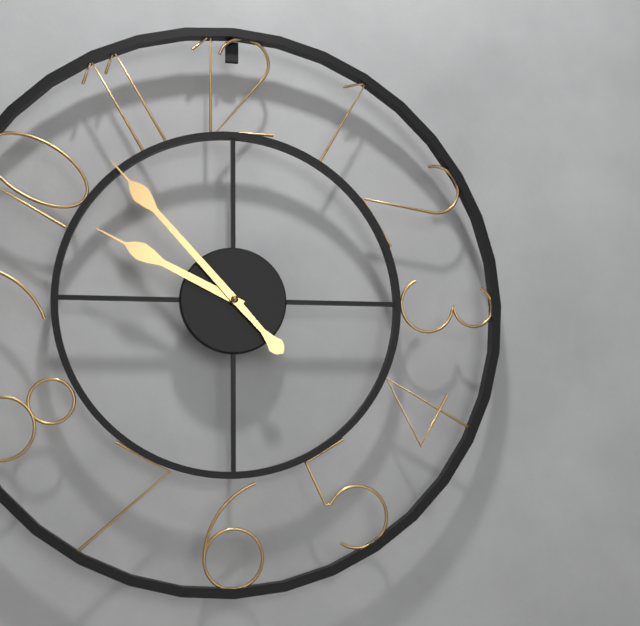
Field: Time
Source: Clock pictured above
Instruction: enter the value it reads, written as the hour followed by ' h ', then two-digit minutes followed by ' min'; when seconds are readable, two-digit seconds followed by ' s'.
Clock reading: 9 h 53 min
